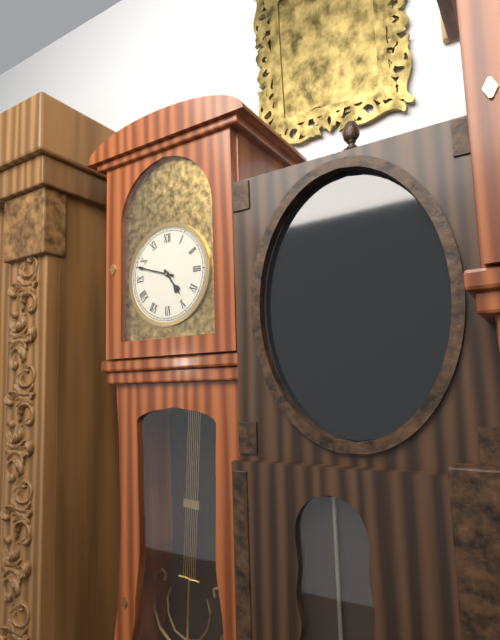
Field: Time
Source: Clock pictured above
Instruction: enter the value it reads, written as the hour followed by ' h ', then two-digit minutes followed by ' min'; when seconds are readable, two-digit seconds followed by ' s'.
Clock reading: 4 h 48 min
